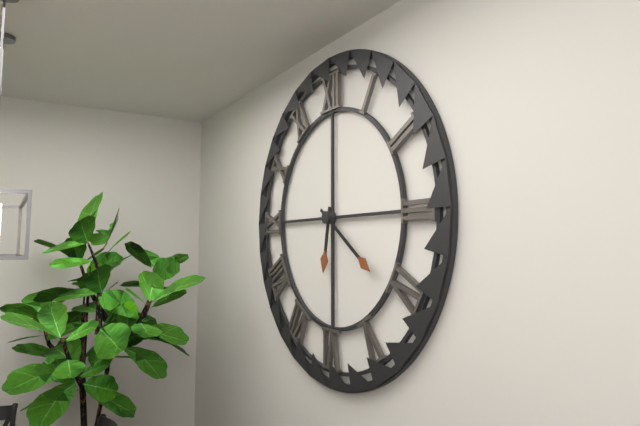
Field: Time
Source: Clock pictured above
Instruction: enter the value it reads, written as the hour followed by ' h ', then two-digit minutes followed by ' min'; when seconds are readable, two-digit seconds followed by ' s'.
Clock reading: 6 h 21 min
